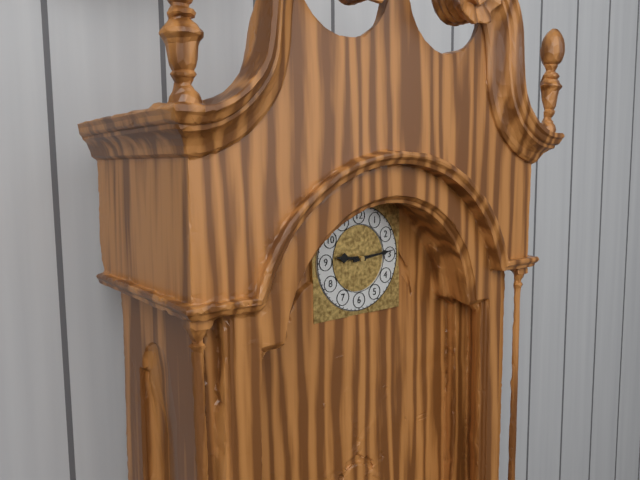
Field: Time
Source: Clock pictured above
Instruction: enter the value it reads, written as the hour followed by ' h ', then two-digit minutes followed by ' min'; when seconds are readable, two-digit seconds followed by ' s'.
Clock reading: 9 h 14 min
